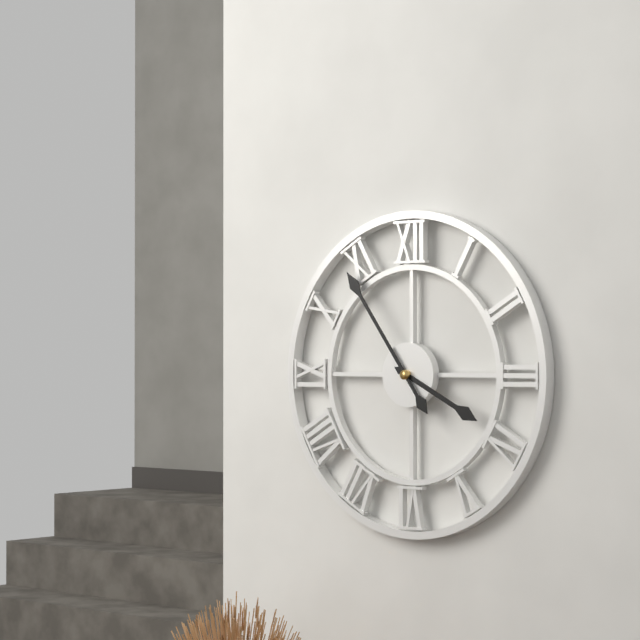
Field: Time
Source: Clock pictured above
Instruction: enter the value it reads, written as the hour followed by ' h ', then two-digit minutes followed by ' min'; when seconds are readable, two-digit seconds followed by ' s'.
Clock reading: 3 h 54 min
